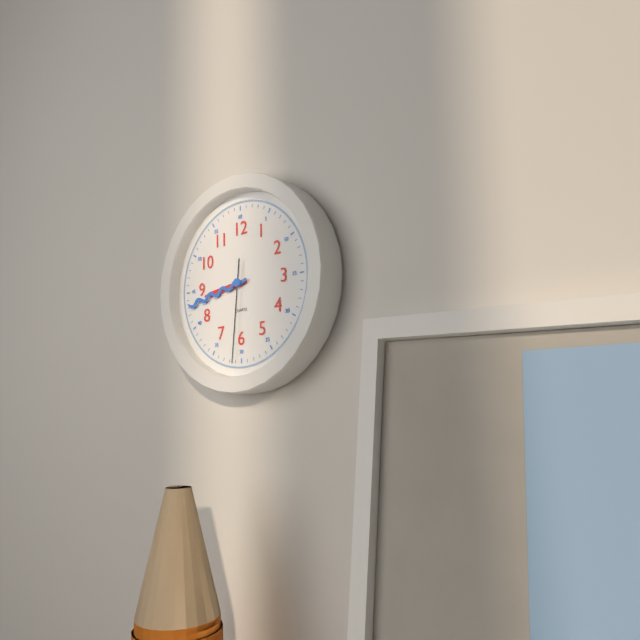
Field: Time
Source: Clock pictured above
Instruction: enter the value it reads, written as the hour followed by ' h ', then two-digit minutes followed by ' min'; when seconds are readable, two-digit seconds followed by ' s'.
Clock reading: 8 h 43 min 31 s
